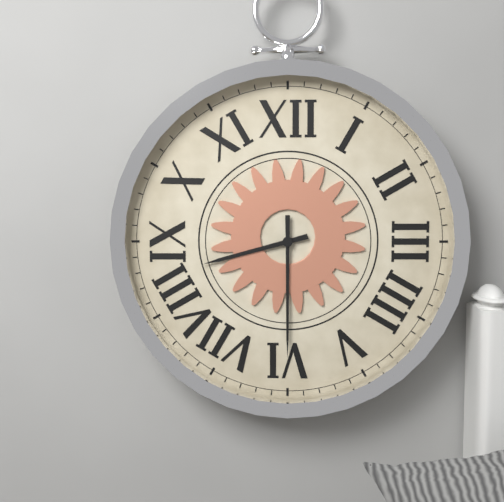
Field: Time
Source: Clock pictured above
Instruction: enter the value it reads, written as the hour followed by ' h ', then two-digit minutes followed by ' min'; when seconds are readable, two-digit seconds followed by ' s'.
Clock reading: 8 h 30 min
